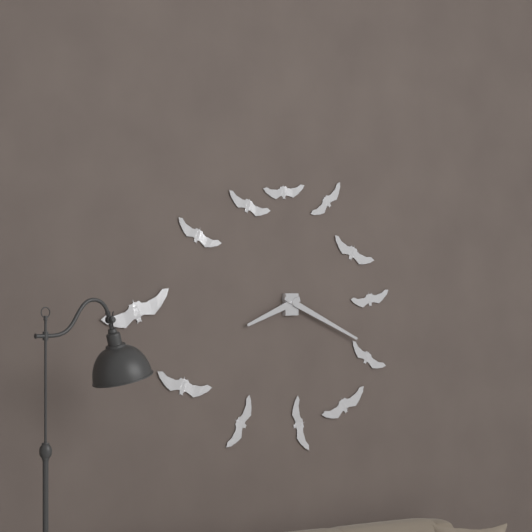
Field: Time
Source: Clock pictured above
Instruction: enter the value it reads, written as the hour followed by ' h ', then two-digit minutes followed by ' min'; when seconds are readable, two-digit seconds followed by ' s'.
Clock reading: 8 h 19 min
